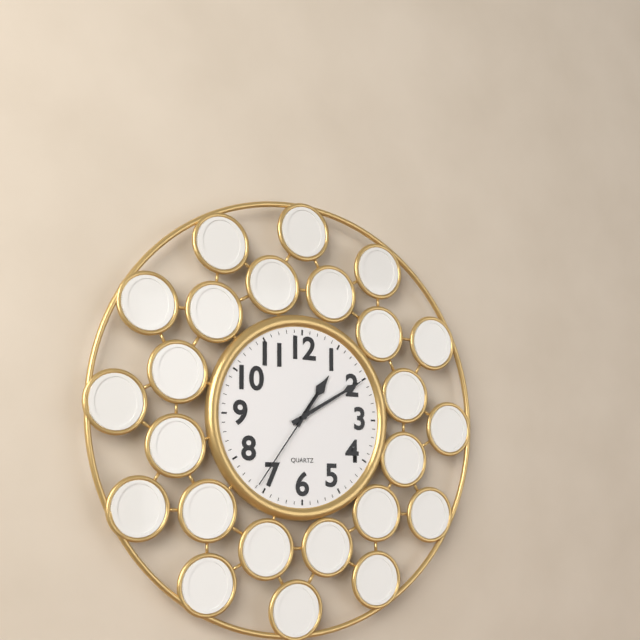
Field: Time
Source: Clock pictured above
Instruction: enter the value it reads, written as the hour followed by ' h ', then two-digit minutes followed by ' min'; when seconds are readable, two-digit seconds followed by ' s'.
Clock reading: 1 h 10 min 36 s
